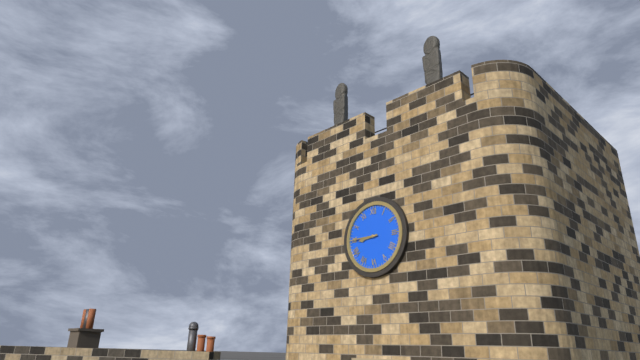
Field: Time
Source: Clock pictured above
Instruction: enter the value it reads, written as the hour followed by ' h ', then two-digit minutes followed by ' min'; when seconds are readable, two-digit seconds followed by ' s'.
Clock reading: 8 h 45 min
